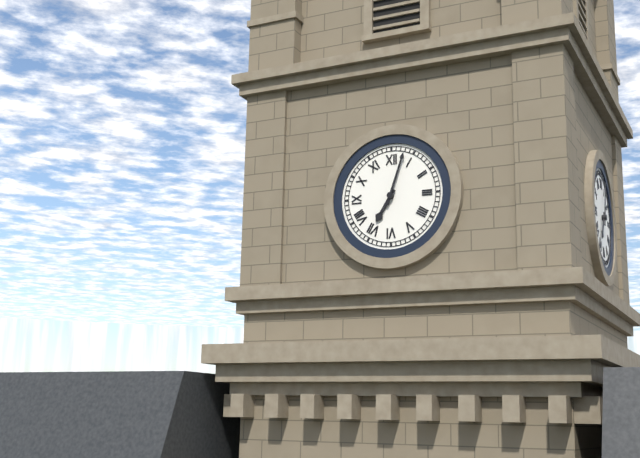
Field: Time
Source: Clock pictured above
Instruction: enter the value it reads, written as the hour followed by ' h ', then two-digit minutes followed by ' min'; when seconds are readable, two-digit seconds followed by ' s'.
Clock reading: 7 h 03 min
